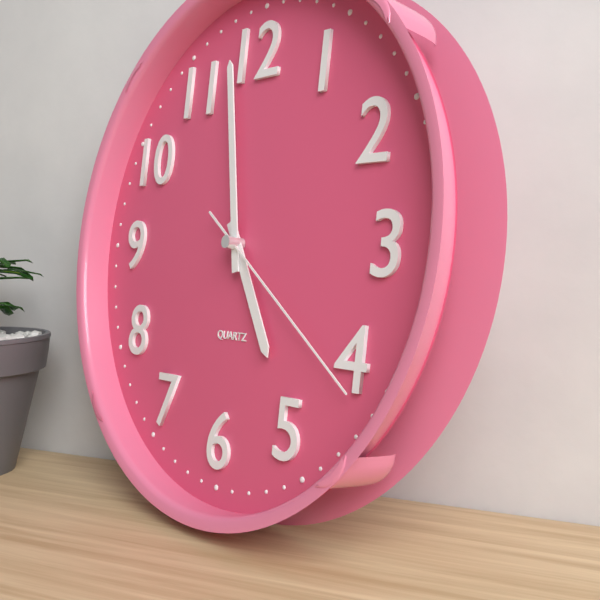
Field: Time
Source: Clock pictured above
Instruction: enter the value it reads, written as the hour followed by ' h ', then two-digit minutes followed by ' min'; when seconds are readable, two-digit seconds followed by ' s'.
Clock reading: 4 h 58 min 21 s
